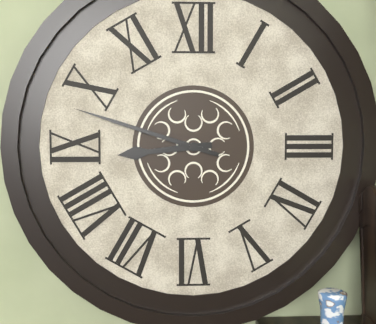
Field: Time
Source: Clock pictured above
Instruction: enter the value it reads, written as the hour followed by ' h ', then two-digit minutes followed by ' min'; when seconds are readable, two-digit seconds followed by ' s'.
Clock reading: 8 h 48 min
